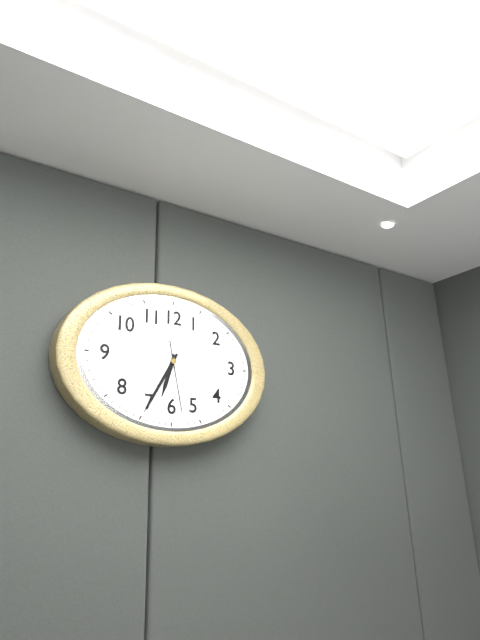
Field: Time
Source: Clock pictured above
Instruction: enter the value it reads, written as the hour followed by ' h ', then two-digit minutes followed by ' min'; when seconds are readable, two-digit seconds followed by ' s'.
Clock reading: 6 h 35 min 28 s
